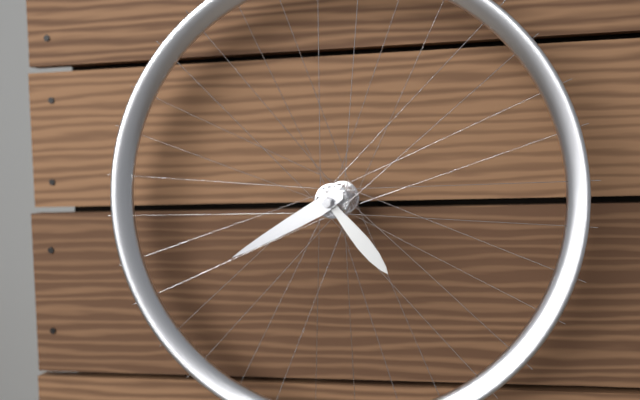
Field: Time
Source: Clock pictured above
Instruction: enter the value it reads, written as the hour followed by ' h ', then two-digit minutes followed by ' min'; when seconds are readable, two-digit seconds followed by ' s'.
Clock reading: 4 h 40 min
